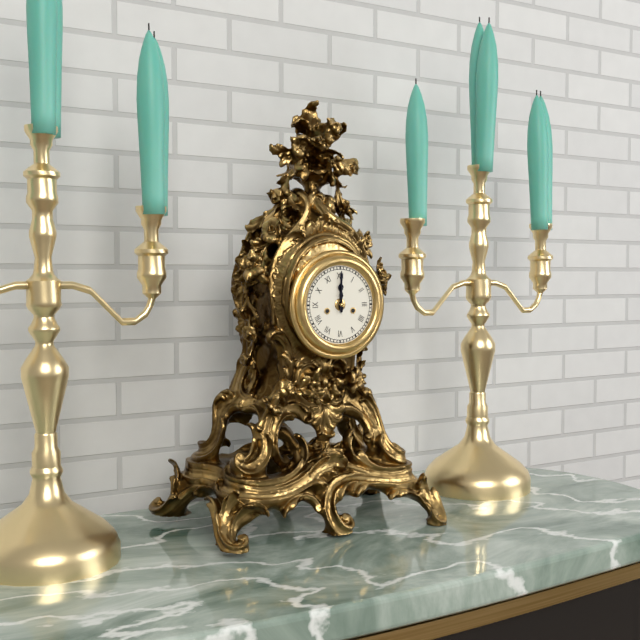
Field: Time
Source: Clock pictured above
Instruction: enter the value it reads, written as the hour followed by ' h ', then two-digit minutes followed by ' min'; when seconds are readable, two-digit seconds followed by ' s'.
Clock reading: 12 h 00 min
